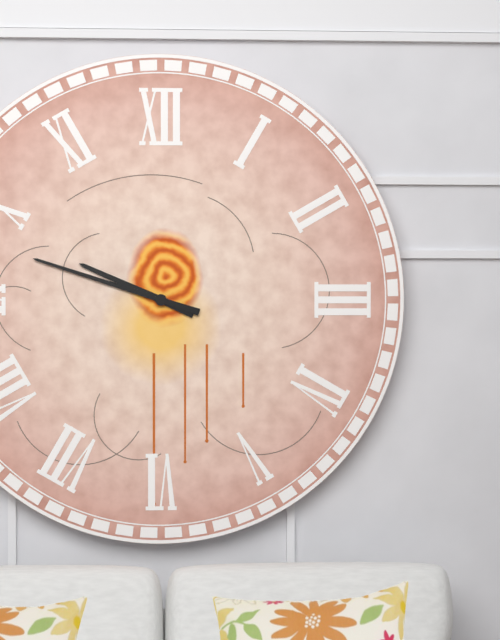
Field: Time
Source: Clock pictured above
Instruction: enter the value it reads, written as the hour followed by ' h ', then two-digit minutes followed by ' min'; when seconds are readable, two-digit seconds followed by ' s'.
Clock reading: 9 h 48 min
